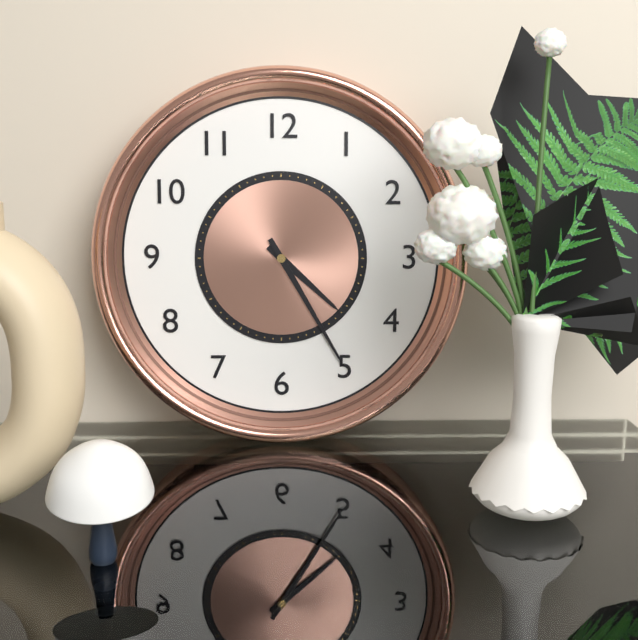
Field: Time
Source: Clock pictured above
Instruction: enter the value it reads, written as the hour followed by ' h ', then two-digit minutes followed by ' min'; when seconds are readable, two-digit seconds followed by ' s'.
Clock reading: 4 h 25 min
